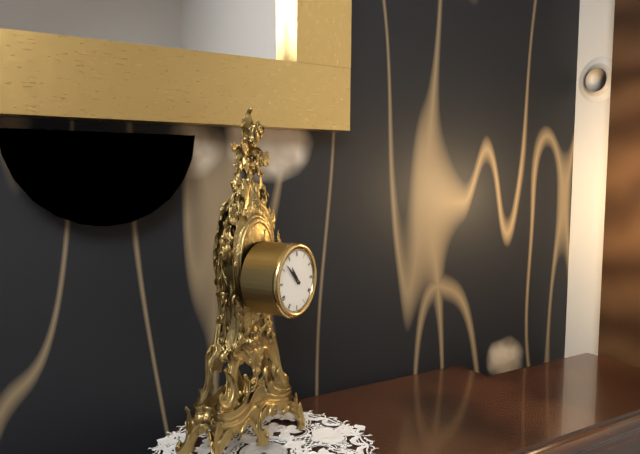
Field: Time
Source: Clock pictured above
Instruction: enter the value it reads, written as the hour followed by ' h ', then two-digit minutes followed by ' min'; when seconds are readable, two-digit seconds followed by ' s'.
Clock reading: 10 h 52 min
